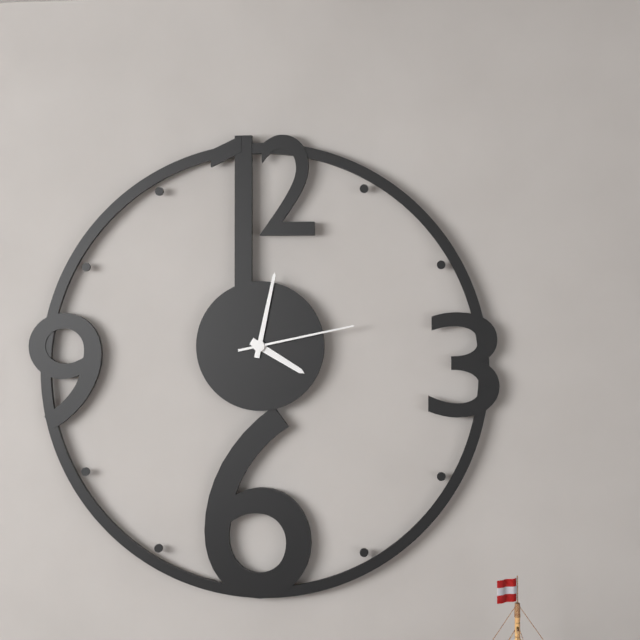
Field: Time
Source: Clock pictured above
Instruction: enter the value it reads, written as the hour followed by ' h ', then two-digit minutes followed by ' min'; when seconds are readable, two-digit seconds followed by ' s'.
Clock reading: 4 h 02 min 13 s
